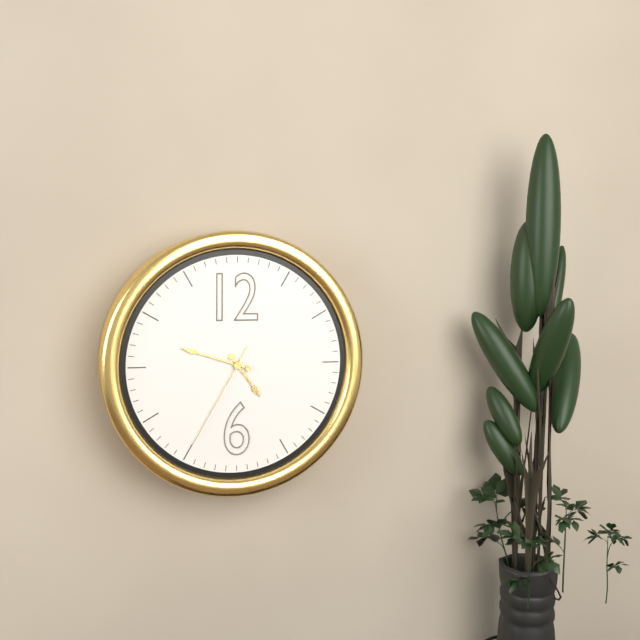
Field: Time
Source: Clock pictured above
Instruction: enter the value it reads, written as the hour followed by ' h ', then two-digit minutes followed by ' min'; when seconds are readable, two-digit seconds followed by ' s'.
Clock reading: 4 h 48 min 35 s
